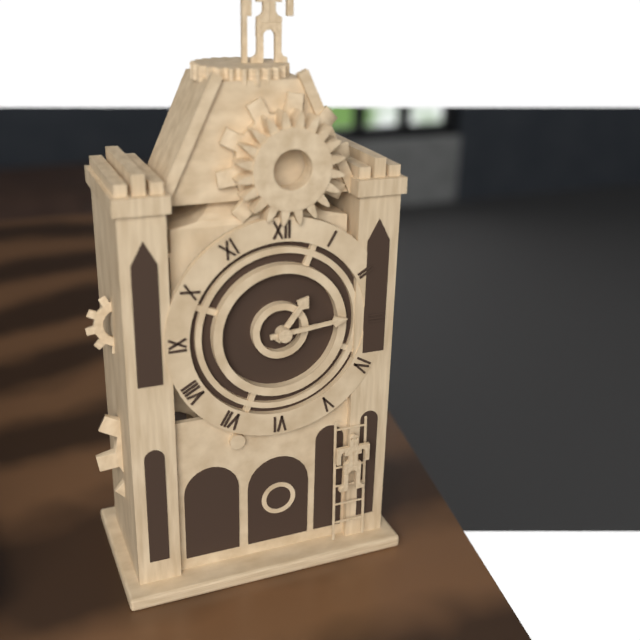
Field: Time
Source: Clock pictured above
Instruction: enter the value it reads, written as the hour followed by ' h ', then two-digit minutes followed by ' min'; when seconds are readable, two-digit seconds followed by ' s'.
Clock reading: 1 h 14 min
